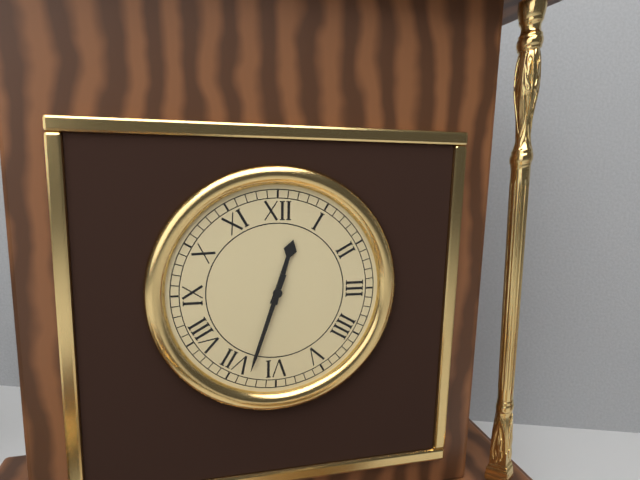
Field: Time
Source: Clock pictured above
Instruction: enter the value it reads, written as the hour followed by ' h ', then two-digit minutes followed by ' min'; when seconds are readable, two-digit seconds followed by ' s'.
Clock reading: 12 h 33 min
